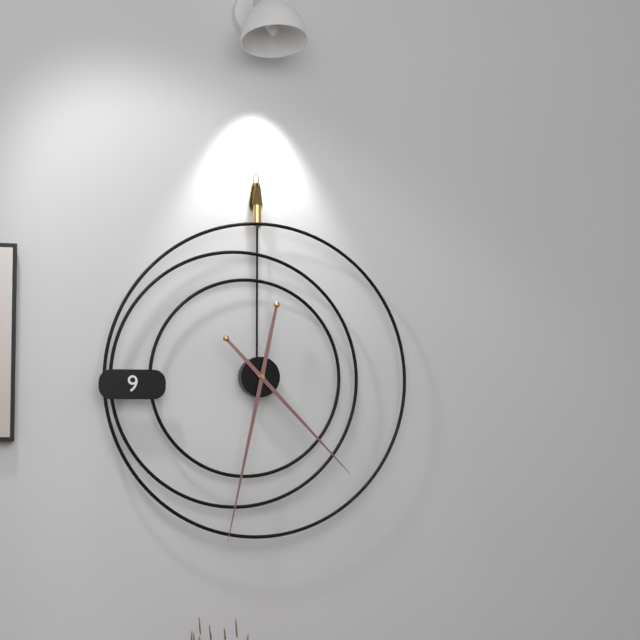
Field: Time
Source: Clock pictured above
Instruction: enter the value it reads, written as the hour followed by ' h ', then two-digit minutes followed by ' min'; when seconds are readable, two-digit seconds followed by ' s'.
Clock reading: 4 h 32 min
